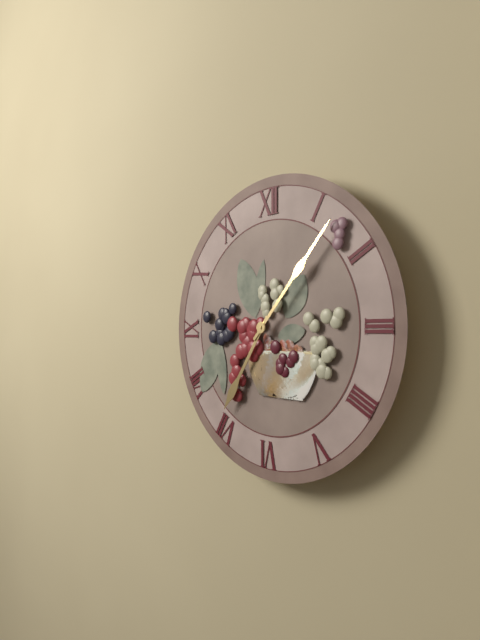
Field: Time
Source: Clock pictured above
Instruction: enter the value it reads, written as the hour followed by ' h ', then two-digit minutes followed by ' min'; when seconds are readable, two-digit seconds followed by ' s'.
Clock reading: 7 h 07 min
